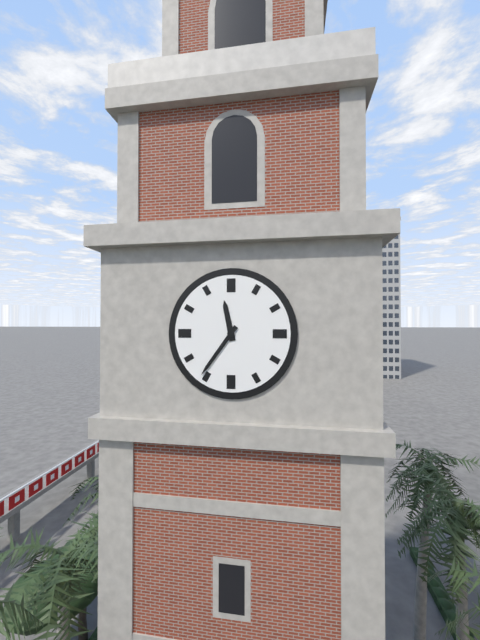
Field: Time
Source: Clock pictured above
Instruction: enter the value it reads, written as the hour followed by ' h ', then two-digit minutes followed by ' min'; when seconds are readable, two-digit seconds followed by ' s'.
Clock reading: 11 h 36 min
